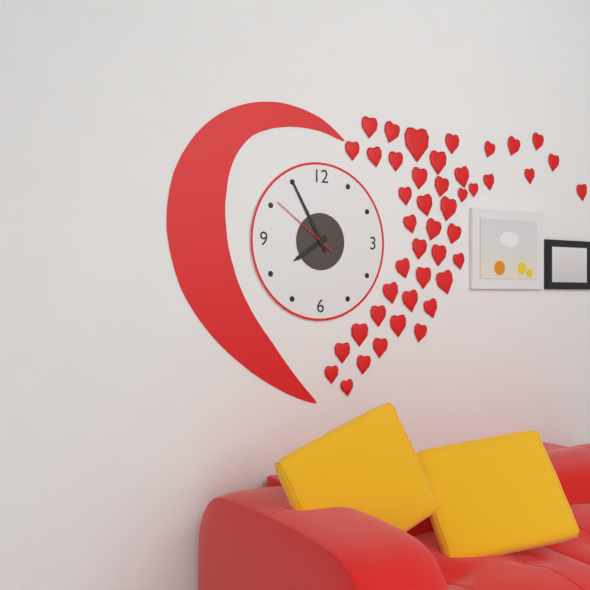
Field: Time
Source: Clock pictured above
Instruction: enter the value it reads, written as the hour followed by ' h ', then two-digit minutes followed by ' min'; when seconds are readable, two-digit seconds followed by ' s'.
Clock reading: 7 h 55 min 51 s
